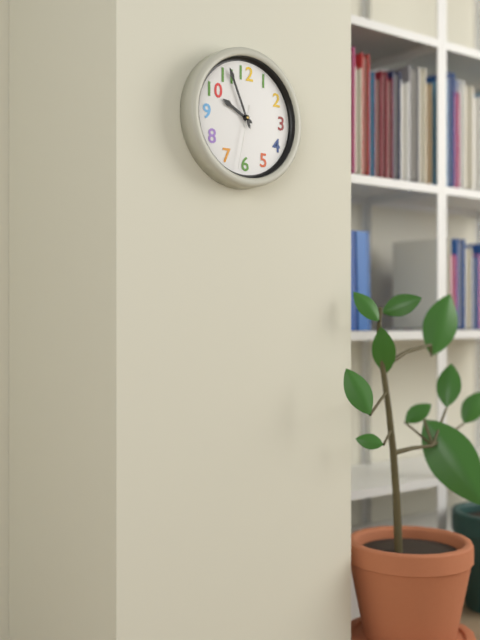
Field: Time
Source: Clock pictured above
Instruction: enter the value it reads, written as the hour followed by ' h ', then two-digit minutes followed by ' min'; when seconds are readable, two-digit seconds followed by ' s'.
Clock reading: 9 h 56 min 32 s
